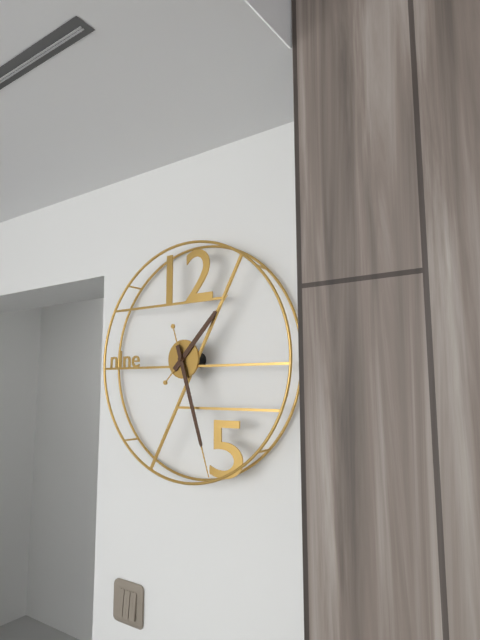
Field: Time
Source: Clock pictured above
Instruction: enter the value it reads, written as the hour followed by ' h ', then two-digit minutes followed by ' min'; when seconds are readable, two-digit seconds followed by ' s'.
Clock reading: 1 h 27 min
